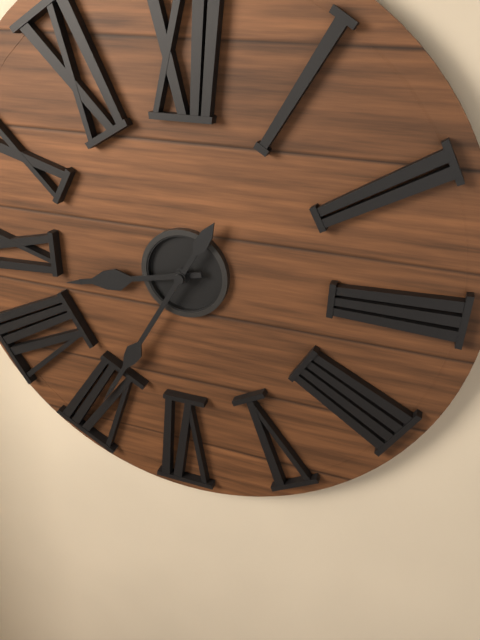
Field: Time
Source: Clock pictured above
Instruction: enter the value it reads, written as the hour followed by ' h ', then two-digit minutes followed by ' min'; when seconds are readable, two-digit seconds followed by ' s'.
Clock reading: 8 h 35 min
